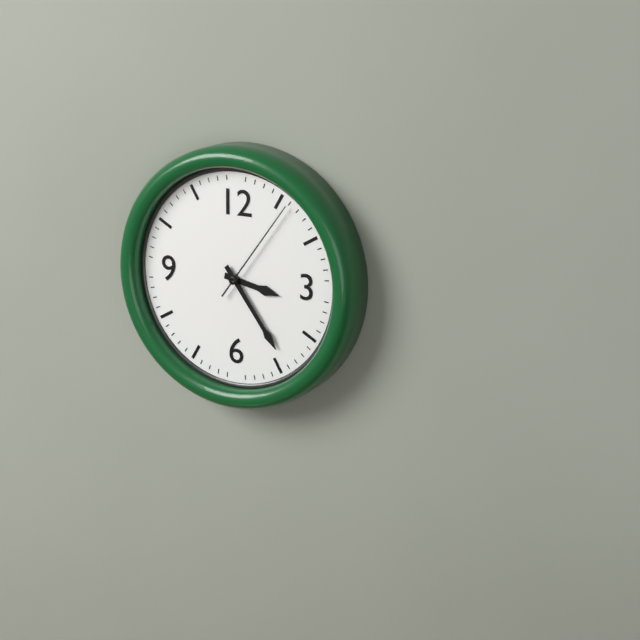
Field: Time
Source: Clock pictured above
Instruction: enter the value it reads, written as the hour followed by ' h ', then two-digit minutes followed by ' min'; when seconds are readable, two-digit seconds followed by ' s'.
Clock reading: 3 h 24 min 06 s
